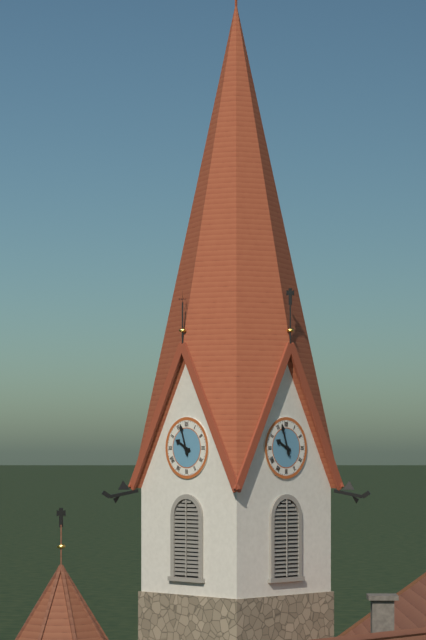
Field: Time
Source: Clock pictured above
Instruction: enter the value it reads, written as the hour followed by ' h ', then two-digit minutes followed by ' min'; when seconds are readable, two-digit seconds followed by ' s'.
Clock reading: 9 h 57 min
